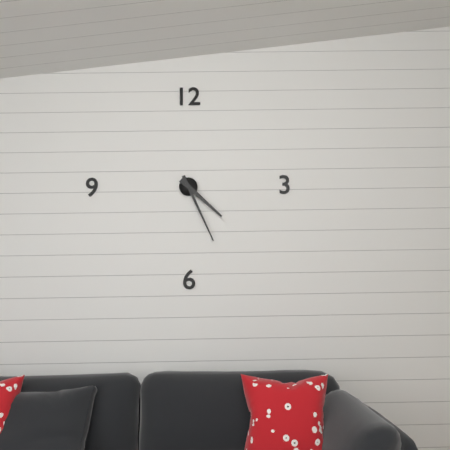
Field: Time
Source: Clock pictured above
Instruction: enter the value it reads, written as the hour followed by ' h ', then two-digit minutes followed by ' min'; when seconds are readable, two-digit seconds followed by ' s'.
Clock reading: 4 h 26 min
